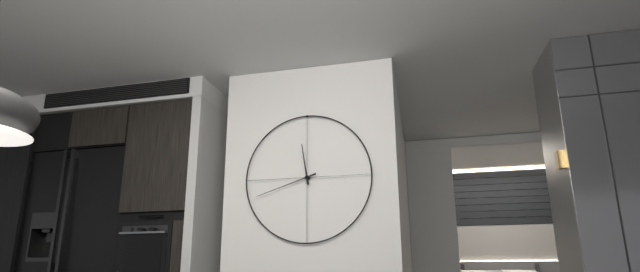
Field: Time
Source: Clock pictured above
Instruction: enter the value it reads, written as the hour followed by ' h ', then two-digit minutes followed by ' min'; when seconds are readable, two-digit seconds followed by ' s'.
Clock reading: 11 h 42 min
